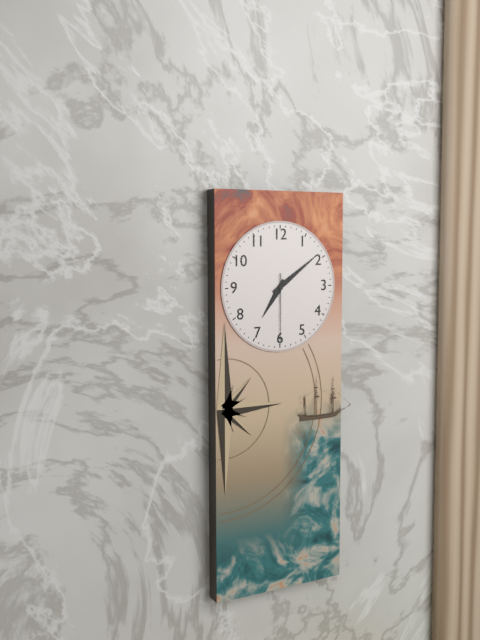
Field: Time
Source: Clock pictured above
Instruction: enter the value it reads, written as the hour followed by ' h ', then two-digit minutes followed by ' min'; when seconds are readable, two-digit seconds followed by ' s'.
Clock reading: 7 h 09 min 30 s
